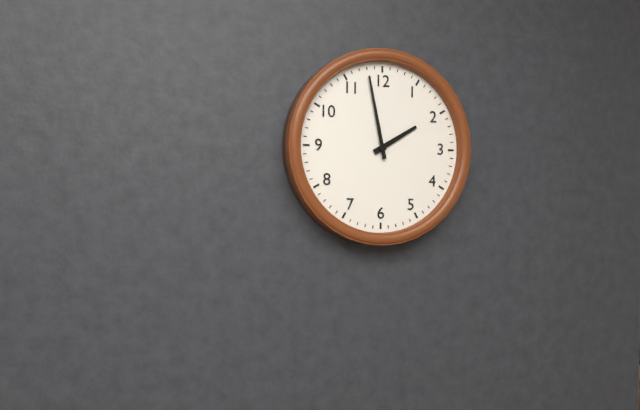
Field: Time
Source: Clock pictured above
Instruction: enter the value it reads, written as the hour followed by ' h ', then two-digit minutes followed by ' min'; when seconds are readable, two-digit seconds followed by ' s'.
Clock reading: 1 h 58 min
